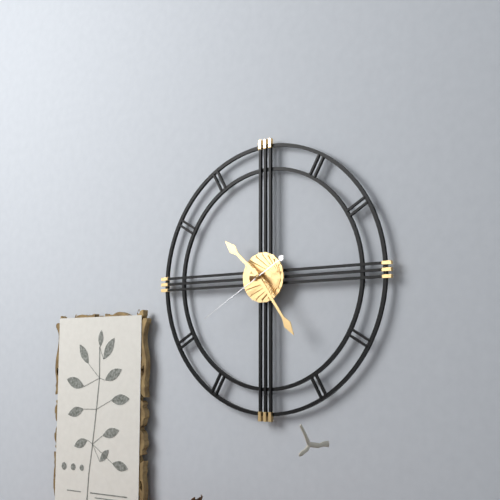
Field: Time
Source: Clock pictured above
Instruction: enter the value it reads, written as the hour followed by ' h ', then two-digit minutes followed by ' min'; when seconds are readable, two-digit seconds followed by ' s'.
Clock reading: 10 h 24 min 40 s
